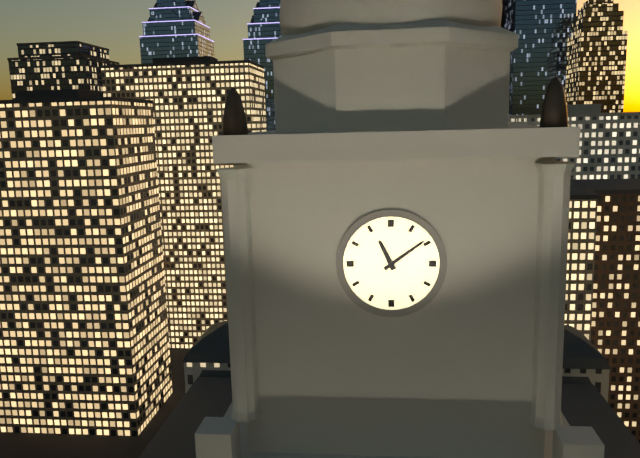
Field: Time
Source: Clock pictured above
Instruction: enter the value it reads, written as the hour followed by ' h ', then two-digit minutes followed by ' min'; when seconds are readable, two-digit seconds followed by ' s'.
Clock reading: 11 h 09 min
